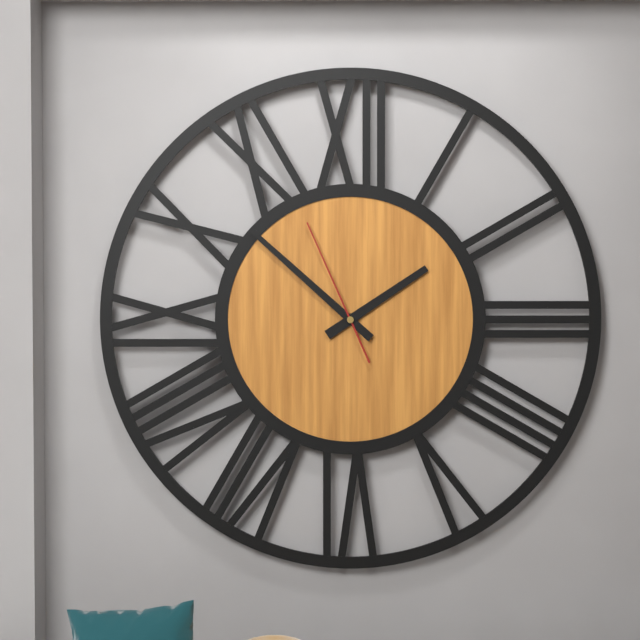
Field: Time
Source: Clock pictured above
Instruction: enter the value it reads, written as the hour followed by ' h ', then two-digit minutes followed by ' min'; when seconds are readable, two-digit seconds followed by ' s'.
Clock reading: 1 h 52 min 56 s
